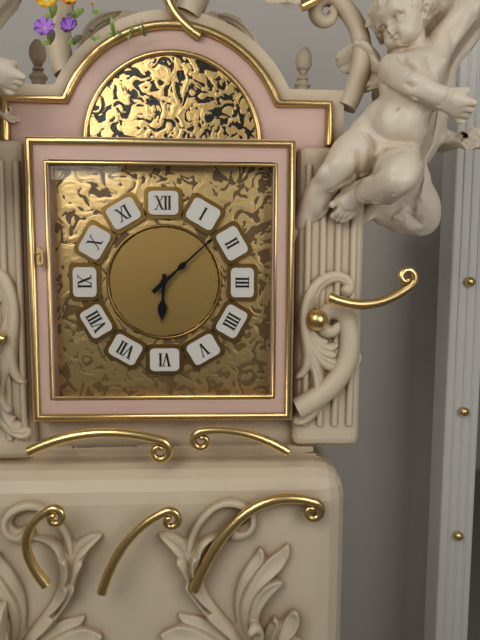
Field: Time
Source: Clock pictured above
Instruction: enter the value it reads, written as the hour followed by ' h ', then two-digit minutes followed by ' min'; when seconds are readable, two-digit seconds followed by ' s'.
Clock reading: 6 h 08 min
